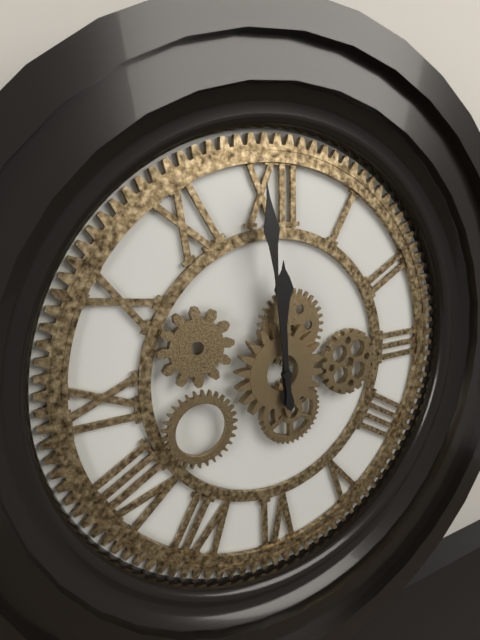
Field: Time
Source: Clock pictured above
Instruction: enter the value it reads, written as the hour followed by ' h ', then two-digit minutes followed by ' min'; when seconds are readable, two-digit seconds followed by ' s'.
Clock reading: 11 h 59 min
